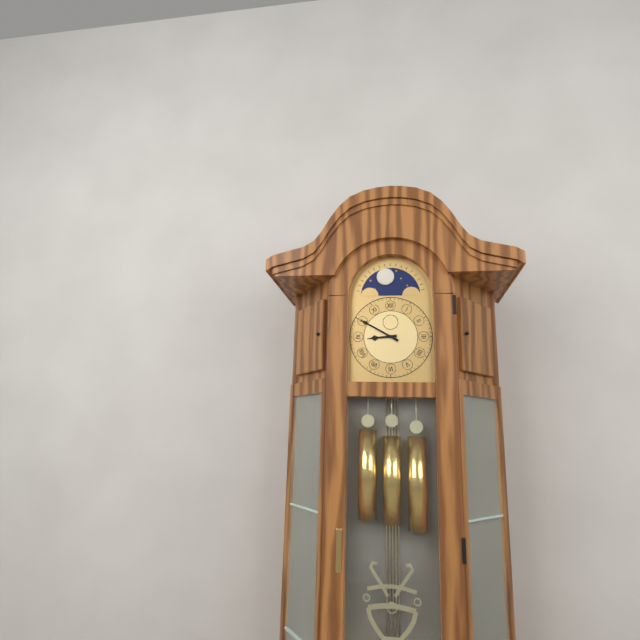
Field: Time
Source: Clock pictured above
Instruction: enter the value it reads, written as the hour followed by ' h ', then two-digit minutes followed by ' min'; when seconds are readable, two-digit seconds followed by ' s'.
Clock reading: 8 h 50 min
